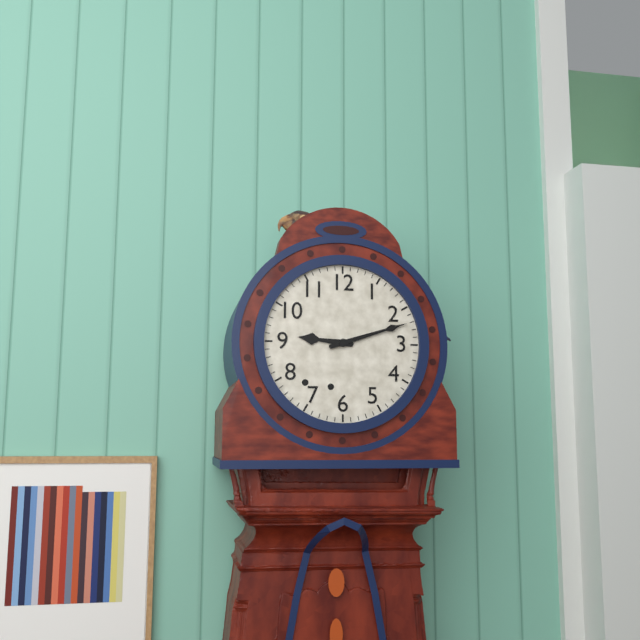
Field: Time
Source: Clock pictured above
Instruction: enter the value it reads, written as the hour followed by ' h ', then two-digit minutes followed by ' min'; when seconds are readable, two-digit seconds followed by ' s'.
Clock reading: 9 h 12 min
